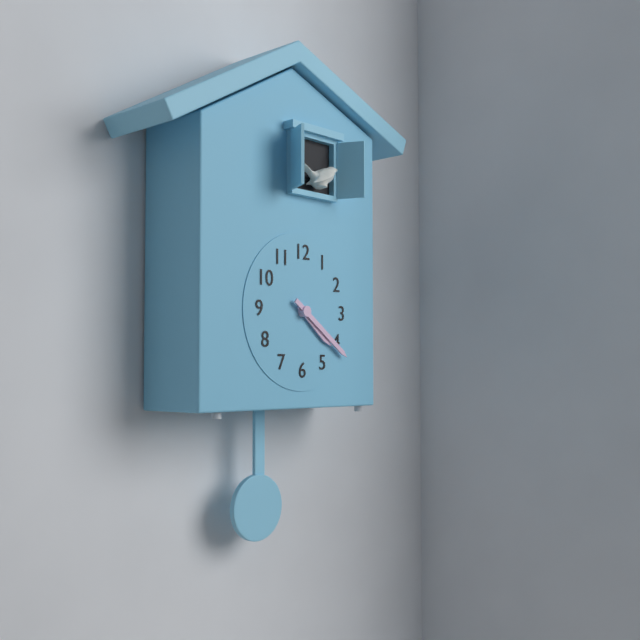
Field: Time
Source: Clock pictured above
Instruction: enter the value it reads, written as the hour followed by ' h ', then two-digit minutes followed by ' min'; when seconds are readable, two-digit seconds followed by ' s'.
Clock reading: 4 h 21 min
